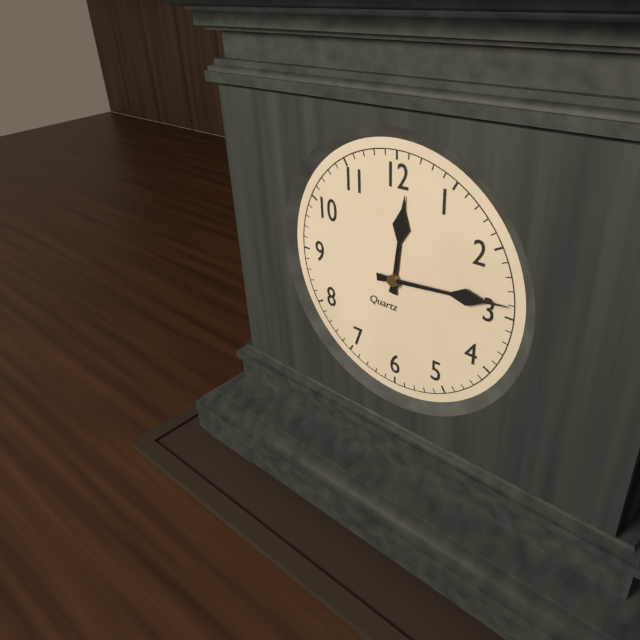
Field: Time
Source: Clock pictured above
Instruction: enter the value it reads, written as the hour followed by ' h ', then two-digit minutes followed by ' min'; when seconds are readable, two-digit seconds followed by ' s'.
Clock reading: 12 h 14 min
